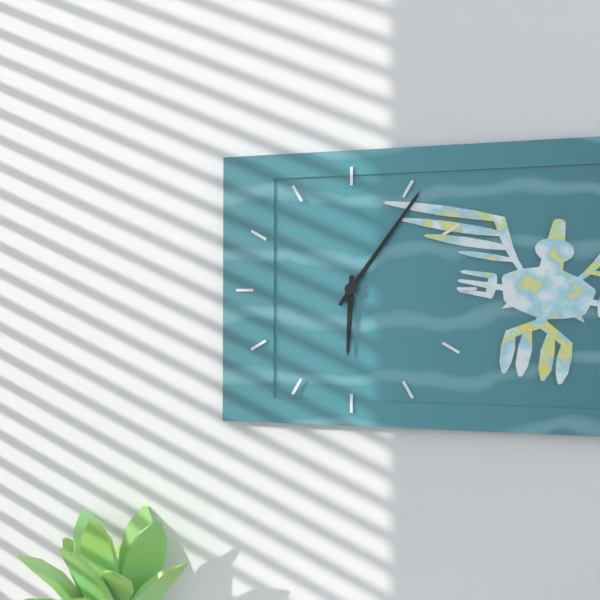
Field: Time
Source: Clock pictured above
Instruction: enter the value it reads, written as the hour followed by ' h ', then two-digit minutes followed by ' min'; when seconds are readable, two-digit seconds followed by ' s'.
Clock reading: 6 h 06 min
